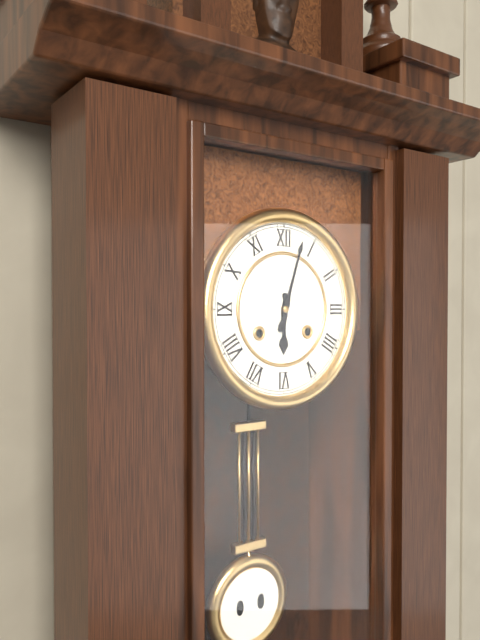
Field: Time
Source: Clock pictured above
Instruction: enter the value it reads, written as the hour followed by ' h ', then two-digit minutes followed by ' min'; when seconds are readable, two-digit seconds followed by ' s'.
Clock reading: 6 h 03 min
